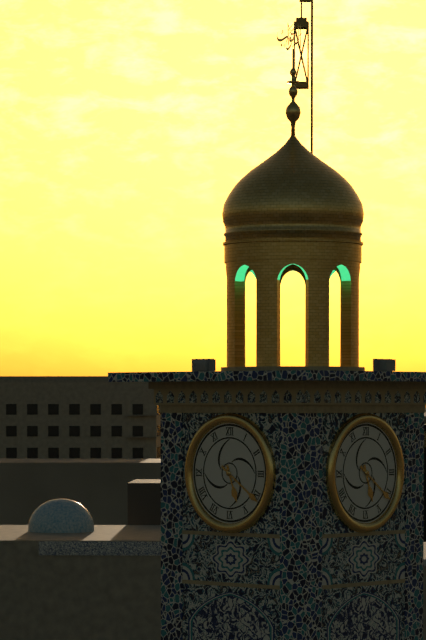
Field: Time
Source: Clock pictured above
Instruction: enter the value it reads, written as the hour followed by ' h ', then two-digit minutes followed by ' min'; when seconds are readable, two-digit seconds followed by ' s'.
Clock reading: 5 h 21 min
